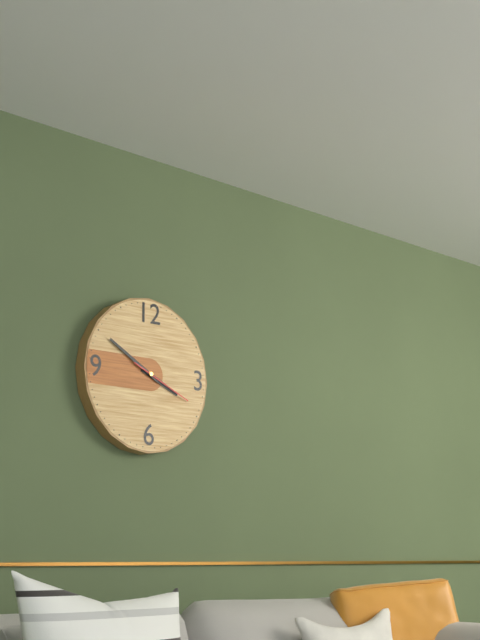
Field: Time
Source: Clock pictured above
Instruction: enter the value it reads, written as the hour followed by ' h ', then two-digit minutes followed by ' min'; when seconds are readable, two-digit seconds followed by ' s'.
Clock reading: 3 h 50 min 19 s
